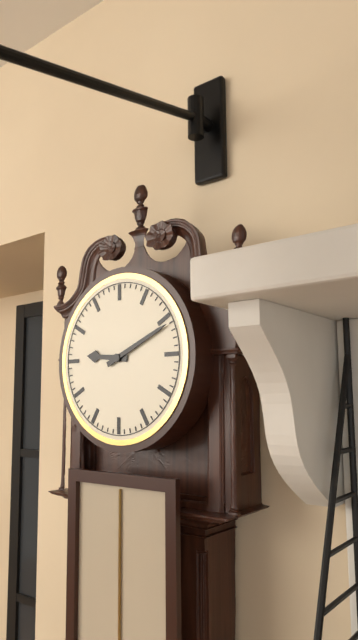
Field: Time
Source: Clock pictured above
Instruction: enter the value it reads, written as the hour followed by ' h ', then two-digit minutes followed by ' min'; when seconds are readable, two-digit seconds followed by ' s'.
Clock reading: 9 h 11 min
